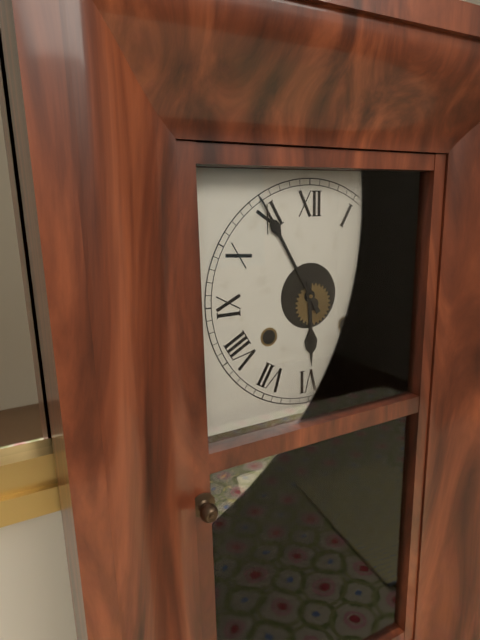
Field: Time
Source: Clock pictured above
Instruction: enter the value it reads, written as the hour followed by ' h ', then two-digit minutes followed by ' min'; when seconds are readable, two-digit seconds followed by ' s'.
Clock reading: 5 h 55 min
